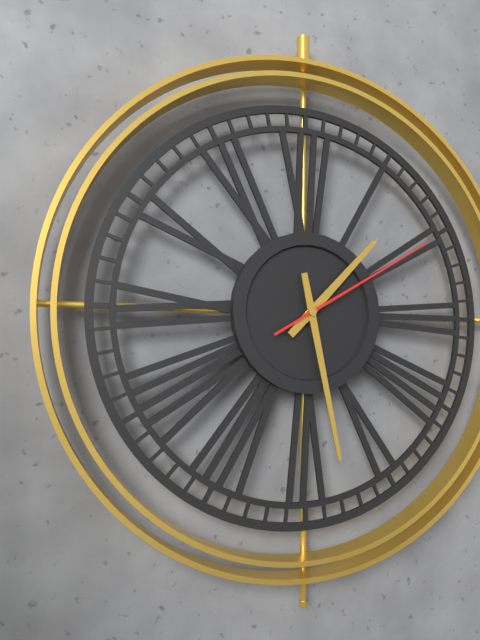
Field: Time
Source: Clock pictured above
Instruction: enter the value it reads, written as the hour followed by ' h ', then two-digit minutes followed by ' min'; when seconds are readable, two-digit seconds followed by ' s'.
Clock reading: 1 h 28 min 10 s
